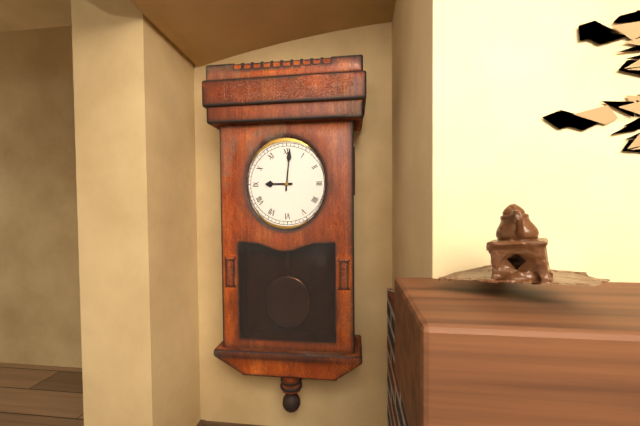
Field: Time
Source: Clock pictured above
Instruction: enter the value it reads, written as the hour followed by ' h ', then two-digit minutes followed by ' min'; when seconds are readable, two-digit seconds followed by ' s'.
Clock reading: 9 h 01 min
